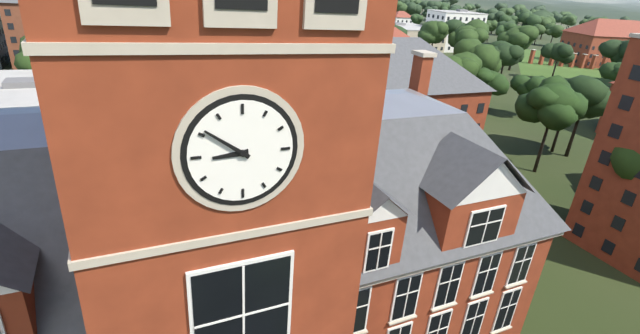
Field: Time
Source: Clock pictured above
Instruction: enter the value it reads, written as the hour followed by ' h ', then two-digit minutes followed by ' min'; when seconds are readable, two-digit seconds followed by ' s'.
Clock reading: 8 h 51 min
